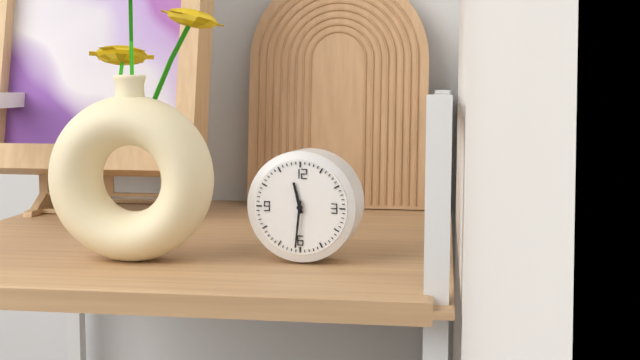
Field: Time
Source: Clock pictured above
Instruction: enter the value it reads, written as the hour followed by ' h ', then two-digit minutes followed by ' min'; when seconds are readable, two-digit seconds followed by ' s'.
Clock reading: 11 h 31 min
